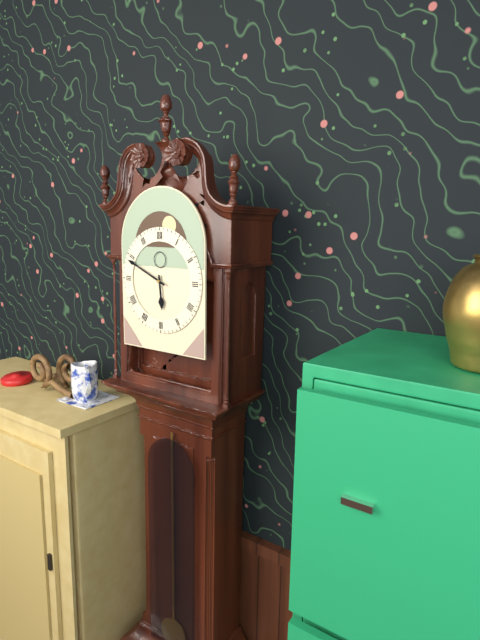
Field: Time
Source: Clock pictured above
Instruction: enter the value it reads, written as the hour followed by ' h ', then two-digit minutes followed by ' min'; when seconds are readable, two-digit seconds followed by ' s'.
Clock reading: 5 h 49 min
